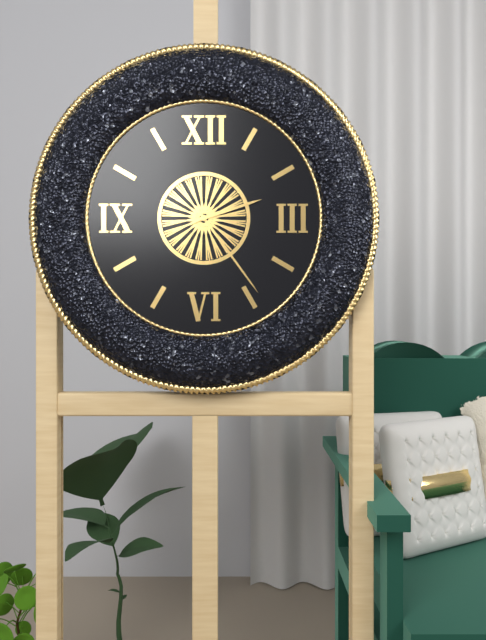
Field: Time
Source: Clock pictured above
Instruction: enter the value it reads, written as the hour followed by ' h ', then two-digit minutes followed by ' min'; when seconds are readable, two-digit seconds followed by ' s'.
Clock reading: 2 h 24 min
